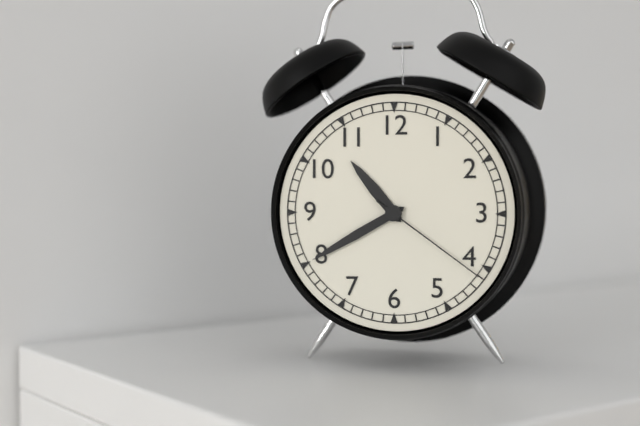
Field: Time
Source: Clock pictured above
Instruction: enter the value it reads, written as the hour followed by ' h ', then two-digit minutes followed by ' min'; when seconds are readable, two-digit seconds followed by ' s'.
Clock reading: 10 h 40 min 21 s
